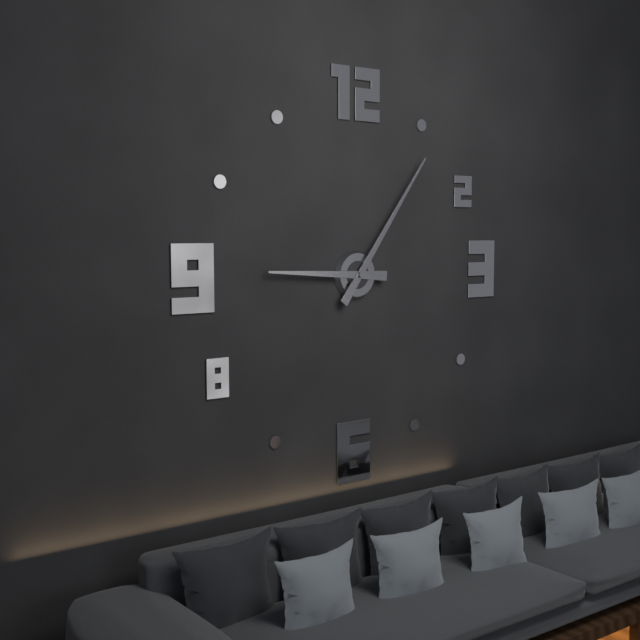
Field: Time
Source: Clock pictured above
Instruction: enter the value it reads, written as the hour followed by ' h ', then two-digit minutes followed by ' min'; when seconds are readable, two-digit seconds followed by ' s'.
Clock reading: 9 h 06 min
